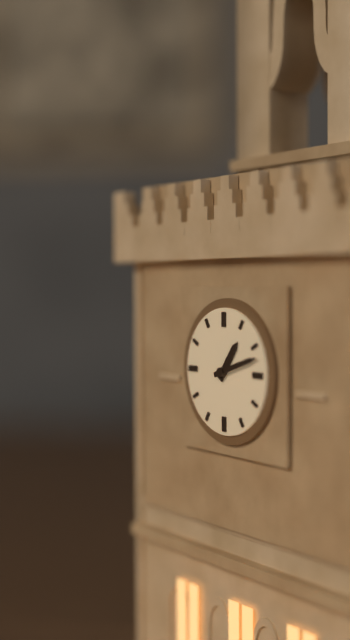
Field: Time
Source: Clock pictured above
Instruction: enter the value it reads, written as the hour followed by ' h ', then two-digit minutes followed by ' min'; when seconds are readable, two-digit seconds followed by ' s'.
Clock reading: 1 h 12 min
